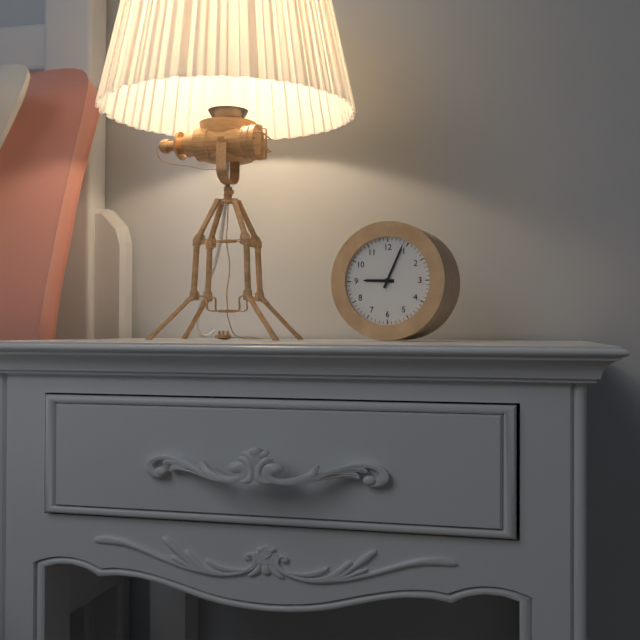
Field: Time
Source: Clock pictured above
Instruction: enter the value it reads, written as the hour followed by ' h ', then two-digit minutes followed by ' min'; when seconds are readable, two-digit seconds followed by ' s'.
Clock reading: 9 h 04 min
